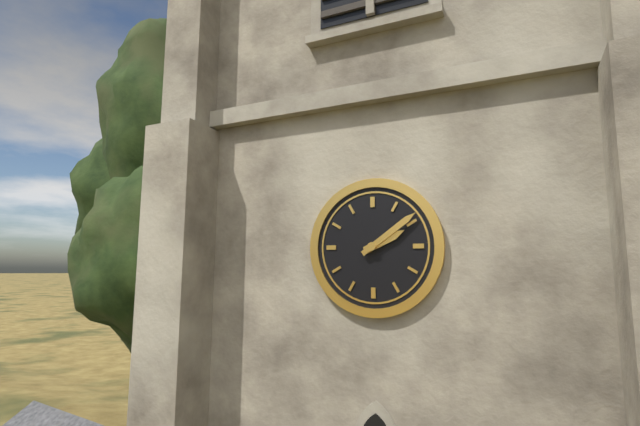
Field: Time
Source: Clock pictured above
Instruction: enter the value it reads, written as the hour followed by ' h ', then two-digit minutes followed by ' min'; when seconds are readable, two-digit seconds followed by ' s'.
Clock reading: 2 h 09 min
